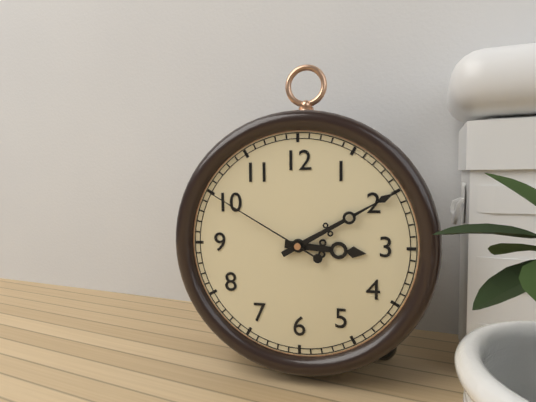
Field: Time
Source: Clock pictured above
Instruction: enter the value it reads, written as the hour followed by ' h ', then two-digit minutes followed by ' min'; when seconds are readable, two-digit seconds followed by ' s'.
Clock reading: 3 h 10 min 50 s
